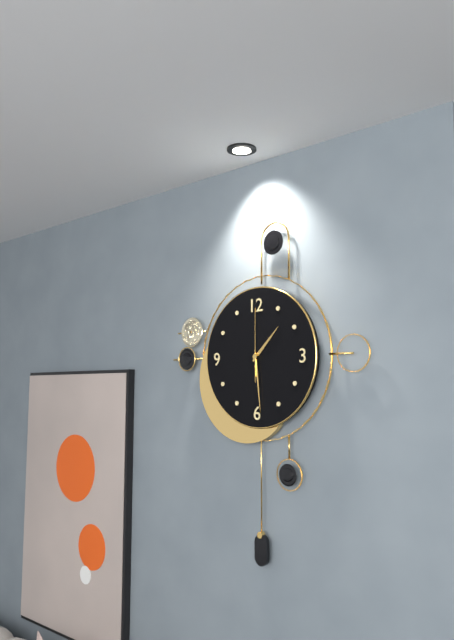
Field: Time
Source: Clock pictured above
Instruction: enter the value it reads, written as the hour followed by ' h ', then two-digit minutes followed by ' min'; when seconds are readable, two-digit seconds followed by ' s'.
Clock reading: 1 h 29 min 00 s
